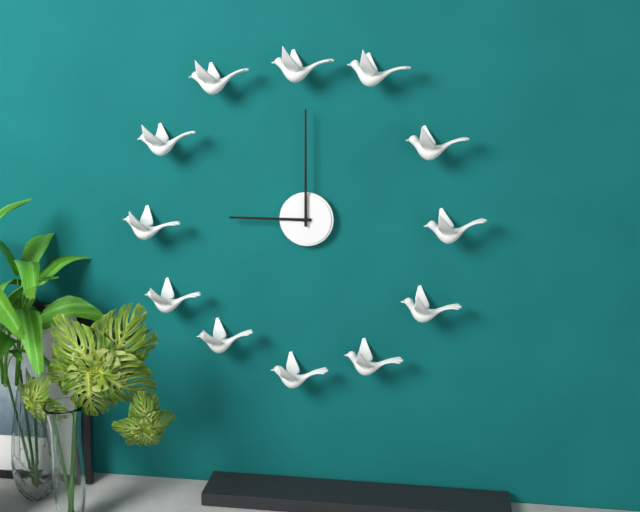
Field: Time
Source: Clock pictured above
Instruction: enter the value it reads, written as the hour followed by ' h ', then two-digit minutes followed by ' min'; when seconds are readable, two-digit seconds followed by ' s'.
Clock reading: 9 h 00 min
